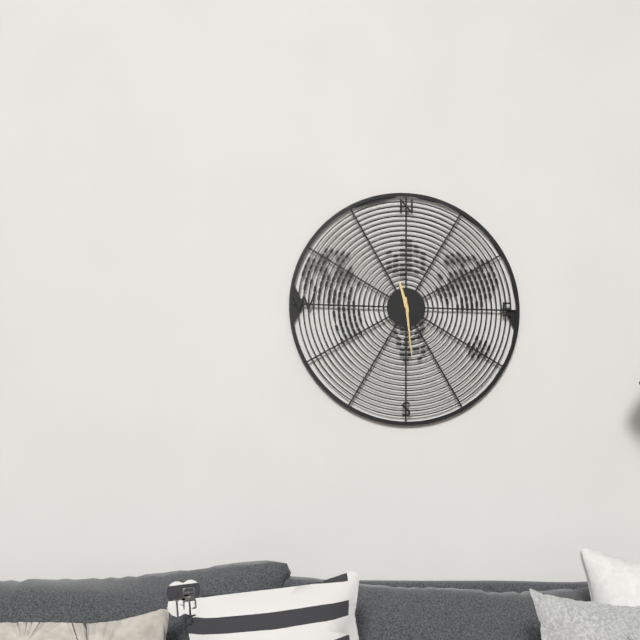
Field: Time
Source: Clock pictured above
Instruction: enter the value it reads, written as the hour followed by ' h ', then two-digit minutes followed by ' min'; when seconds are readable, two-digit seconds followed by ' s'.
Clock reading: 11 h 29 min
